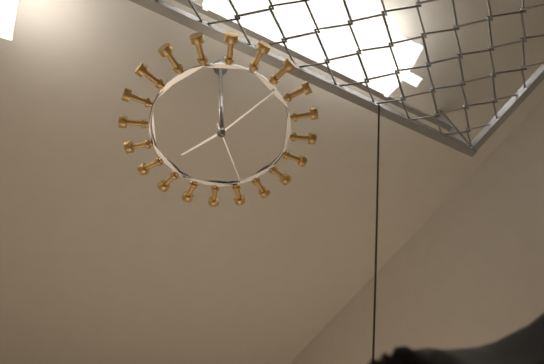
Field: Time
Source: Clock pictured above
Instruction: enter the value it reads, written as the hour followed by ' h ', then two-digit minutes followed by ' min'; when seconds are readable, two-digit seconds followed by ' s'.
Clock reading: 7 h 04 min 23 s
